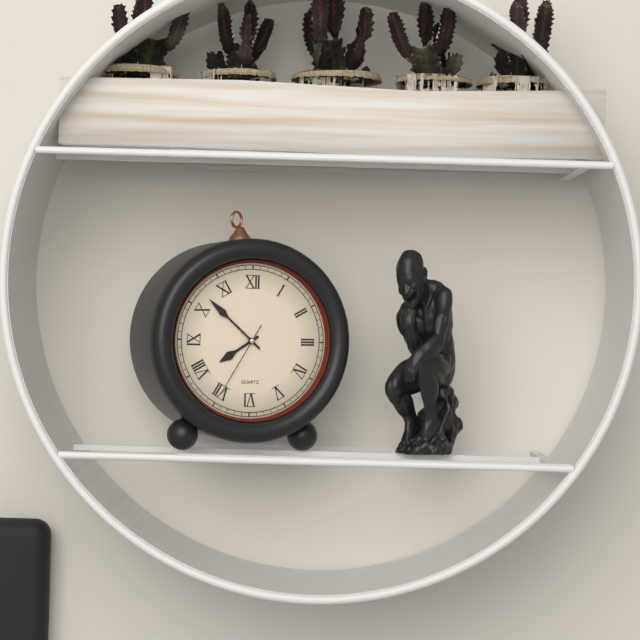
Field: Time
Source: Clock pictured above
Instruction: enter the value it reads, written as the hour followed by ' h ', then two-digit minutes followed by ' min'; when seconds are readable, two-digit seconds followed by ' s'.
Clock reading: 7 h 52 min 35 s
